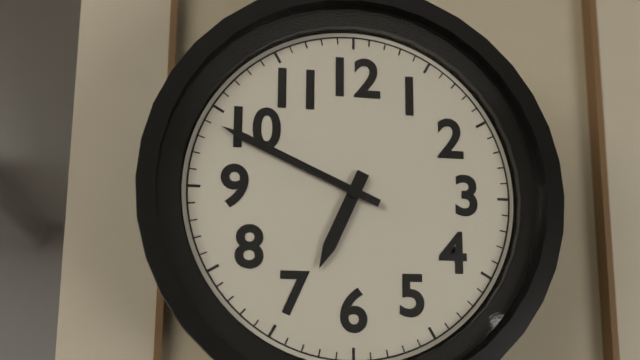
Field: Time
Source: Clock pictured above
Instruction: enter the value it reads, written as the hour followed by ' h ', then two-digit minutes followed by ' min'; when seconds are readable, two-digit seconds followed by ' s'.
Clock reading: 6 h 49 min
